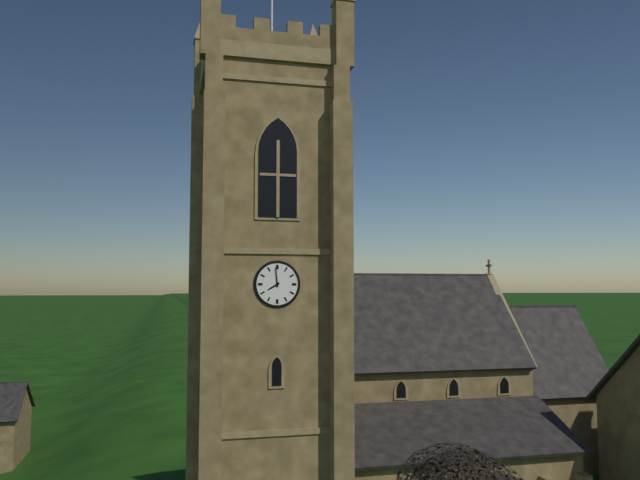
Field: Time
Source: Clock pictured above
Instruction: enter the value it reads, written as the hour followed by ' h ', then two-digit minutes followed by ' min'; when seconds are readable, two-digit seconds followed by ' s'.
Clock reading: 7 h 59 min
